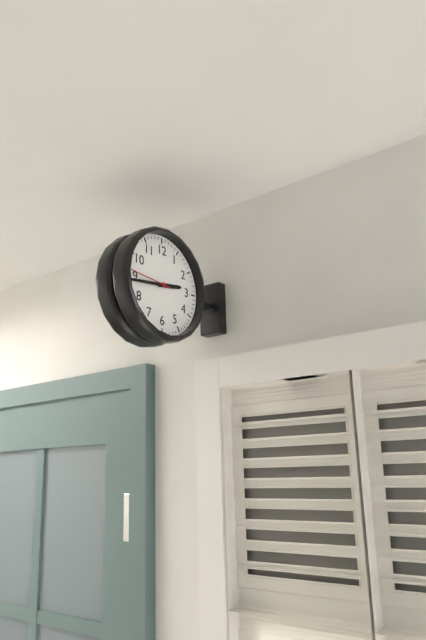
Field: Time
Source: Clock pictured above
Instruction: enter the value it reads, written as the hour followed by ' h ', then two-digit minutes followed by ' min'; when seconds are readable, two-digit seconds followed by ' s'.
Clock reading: 2 h 44 min
